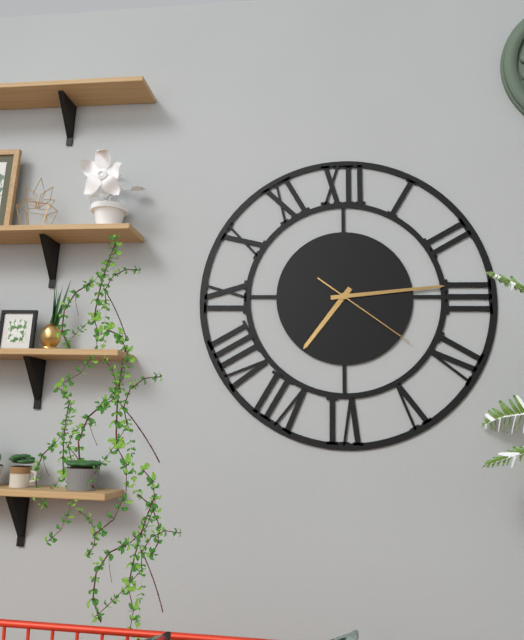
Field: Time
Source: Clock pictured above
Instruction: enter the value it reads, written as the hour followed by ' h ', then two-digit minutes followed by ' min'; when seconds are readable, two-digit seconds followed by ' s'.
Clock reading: 7 h 14 min 21 s
